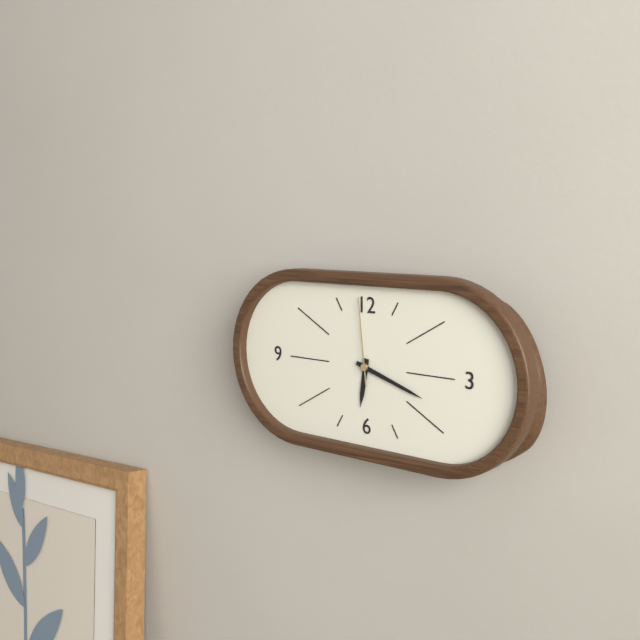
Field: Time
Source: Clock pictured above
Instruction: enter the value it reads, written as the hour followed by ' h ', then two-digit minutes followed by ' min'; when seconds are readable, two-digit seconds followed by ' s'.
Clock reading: 6 h 18 min 59 s
